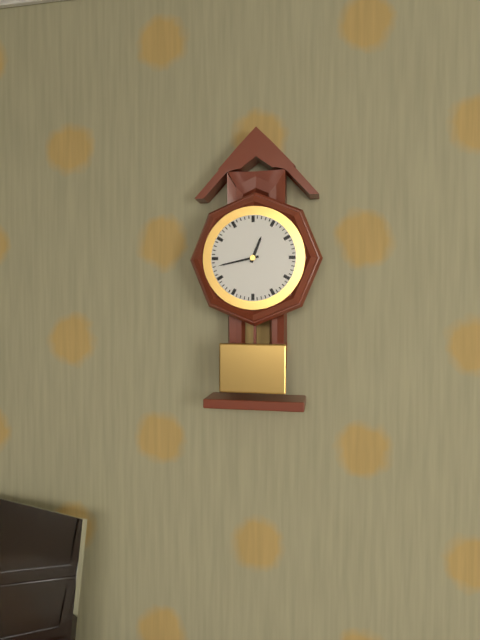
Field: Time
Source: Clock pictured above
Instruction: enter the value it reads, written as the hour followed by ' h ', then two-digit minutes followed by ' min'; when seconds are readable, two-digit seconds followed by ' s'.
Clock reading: 12 h 43 min
